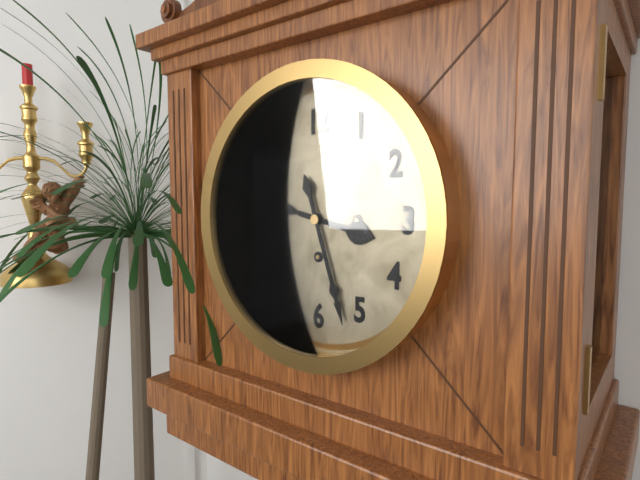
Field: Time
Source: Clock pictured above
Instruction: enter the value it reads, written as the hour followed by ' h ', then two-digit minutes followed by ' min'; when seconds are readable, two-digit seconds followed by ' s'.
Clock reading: 3 h 27 min
